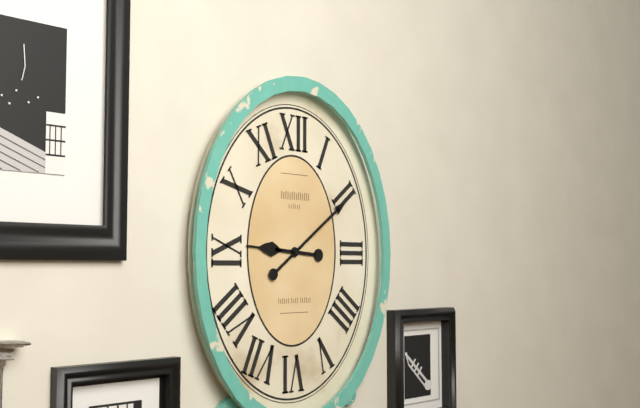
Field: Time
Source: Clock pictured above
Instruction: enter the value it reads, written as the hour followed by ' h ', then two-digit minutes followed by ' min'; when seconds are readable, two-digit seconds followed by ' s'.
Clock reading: 9 h 09 min
